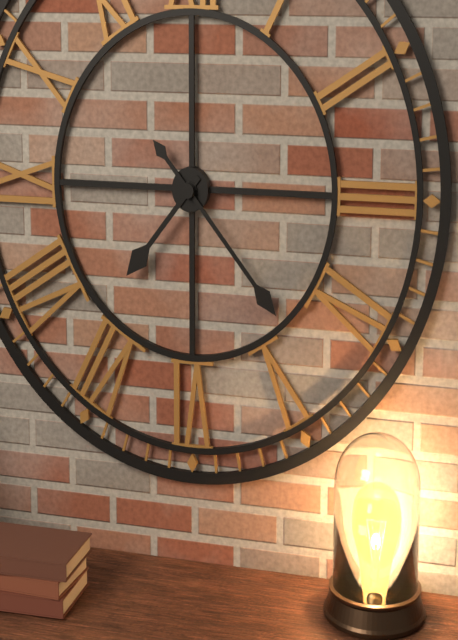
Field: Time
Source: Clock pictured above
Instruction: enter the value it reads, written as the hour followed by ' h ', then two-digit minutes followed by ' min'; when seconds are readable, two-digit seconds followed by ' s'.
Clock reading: 7 h 23 min
